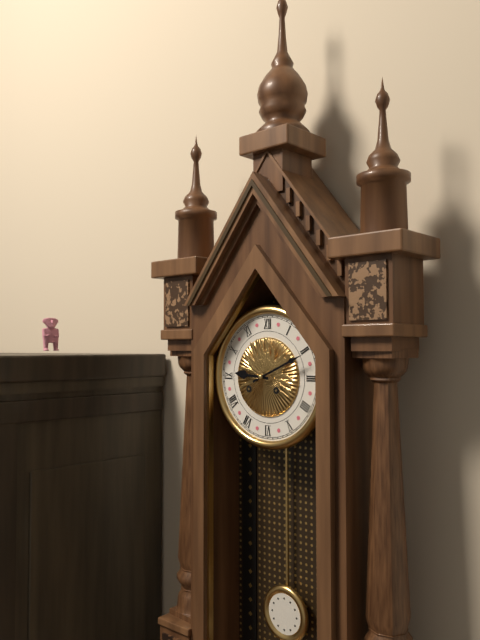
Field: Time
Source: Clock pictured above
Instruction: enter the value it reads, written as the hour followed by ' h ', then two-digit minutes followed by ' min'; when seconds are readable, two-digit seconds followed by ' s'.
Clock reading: 9 h 11 min
